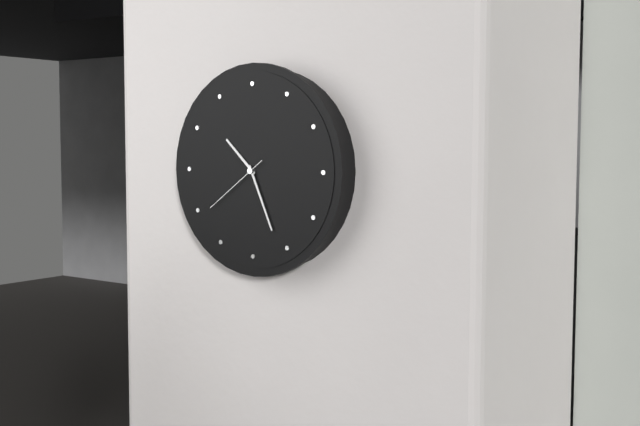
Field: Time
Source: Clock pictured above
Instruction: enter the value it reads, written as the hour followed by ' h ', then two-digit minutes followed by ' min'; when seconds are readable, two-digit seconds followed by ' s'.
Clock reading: 10 h 26 min 39 s
